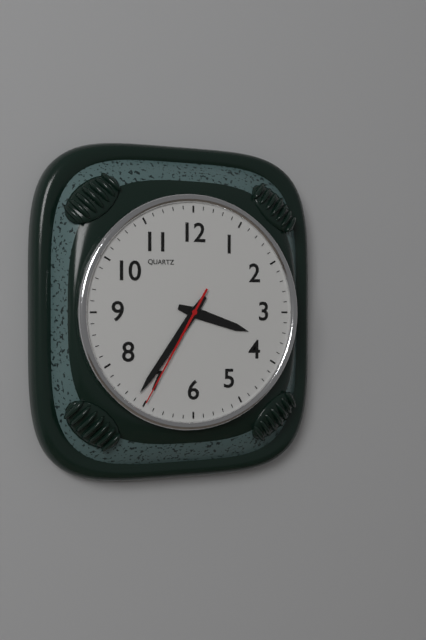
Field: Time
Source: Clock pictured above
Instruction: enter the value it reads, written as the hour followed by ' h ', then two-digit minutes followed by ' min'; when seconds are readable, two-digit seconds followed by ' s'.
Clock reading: 3 h 36 min 35 s
